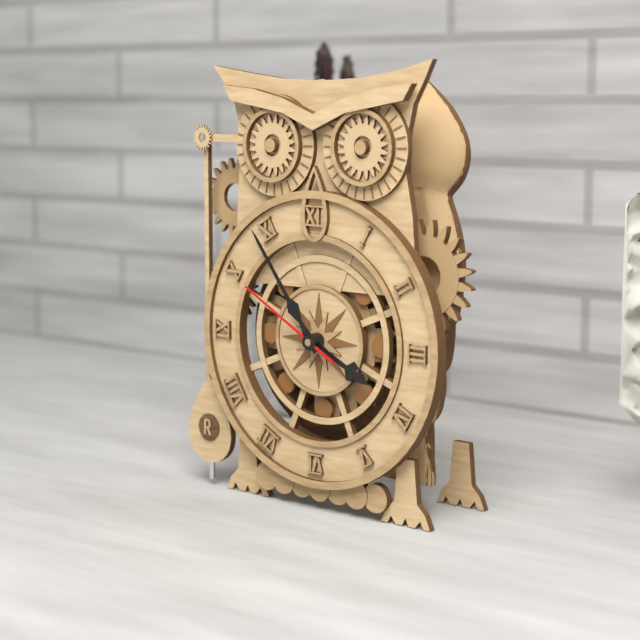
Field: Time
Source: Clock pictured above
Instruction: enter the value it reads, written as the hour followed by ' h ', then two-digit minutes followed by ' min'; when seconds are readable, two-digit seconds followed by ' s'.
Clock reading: 3 h 54 min 50 s
